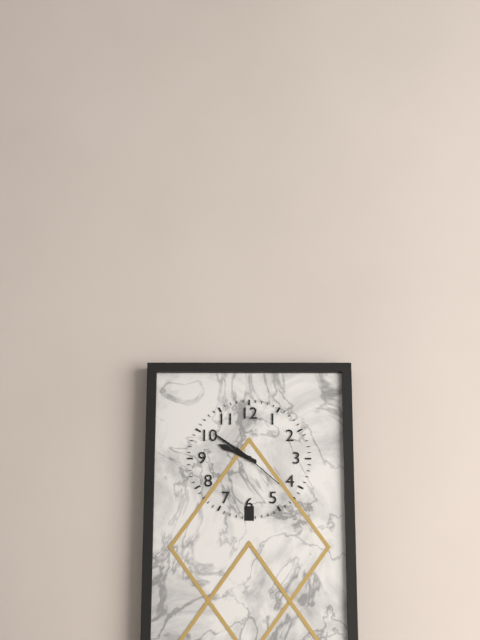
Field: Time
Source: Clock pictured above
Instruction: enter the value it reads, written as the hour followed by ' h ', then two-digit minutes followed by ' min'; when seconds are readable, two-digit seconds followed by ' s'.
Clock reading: 9 h 51 min
